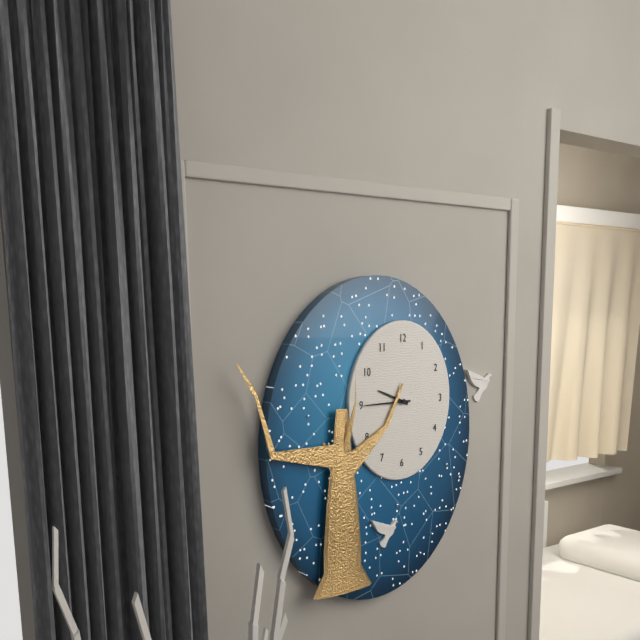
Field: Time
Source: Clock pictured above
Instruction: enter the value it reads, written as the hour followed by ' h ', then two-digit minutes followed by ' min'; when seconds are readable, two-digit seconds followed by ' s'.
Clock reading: 9 h 45 min
